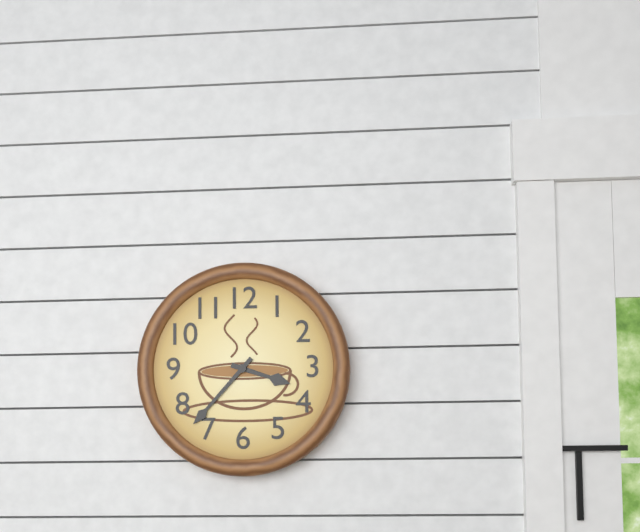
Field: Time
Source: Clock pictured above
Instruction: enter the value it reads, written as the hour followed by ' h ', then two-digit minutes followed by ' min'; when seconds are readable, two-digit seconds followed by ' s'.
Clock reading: 3 h 37 min
